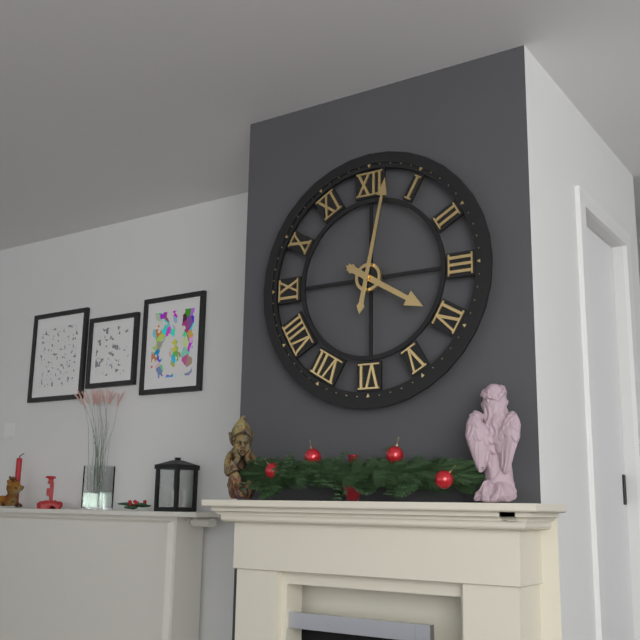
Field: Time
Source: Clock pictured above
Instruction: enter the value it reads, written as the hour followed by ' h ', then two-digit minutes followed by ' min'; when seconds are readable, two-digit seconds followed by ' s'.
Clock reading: 4 h 02 min
